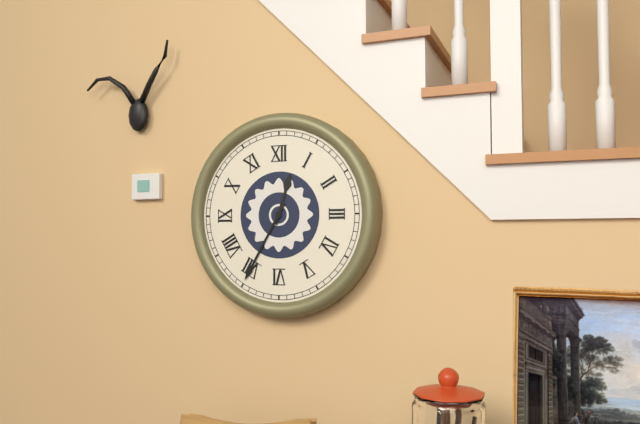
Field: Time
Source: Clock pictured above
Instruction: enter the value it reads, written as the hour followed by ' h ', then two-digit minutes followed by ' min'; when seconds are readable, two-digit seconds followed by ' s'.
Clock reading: 12 h 35 min
